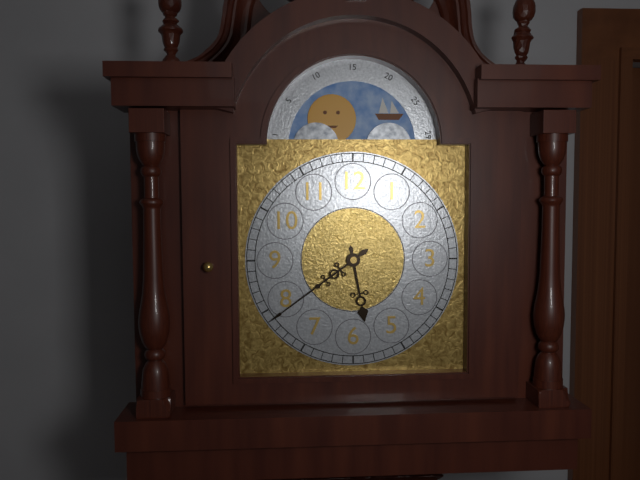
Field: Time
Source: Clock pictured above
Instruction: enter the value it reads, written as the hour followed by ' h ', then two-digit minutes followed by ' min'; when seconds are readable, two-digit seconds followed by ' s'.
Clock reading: 5 h 39 min
